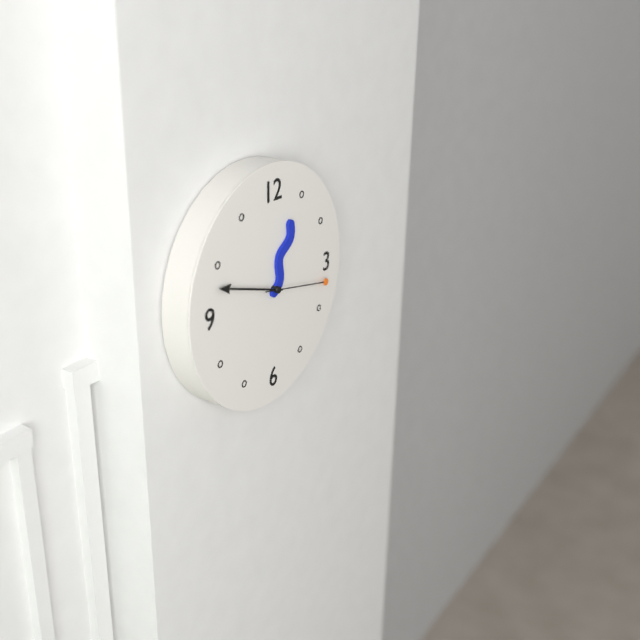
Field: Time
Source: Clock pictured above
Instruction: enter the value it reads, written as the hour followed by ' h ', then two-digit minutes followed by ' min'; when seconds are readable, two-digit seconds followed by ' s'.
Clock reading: 12 h 48 min 17 s
